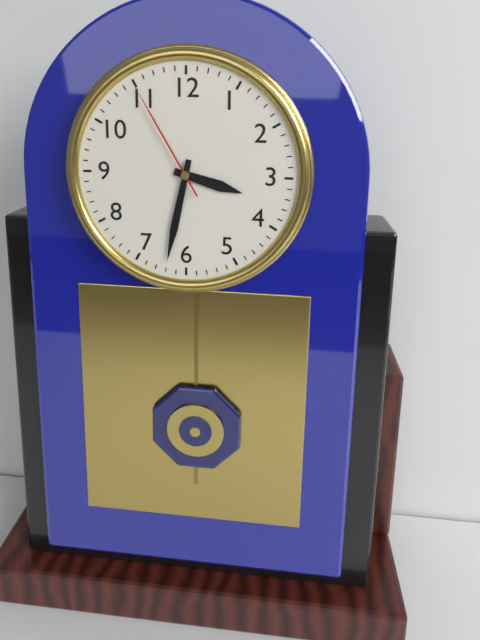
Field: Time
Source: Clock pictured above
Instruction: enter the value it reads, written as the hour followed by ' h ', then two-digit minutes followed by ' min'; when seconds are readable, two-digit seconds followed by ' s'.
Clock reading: 3 h 32 min 55 s
